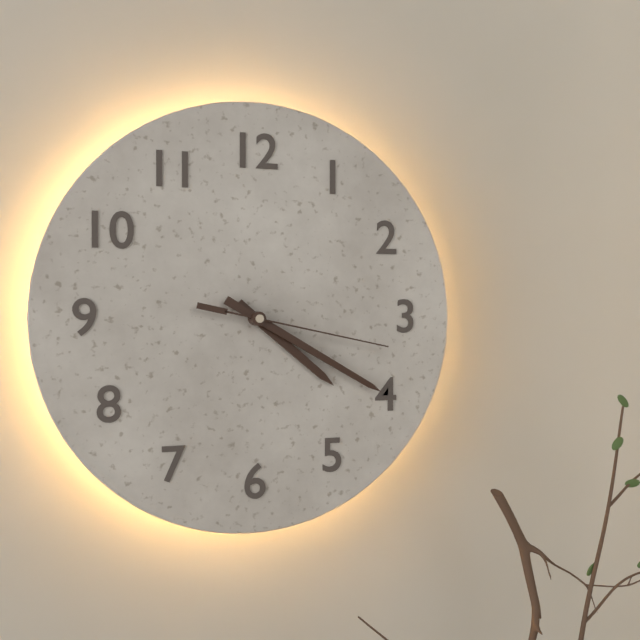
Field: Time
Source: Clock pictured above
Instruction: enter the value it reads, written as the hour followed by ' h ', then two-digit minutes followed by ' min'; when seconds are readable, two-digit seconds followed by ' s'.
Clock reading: 4 h 20 min 17 s
